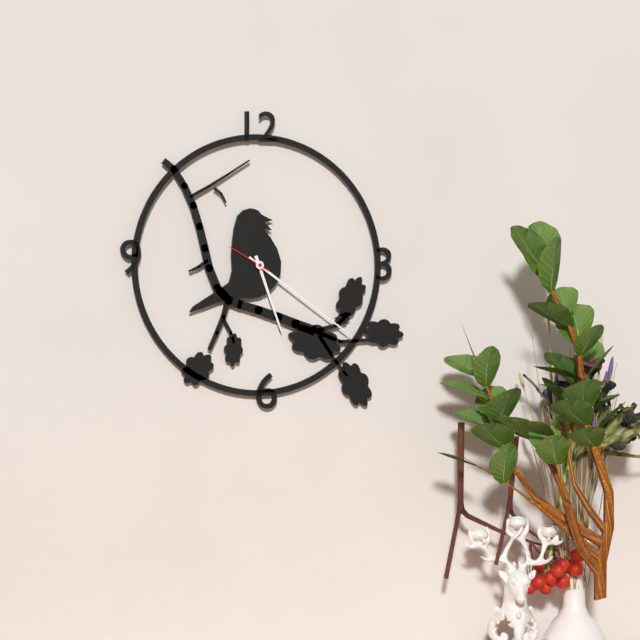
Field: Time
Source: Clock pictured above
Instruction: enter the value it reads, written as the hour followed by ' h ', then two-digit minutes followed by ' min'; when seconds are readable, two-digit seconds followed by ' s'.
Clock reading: 5 h 21 min
